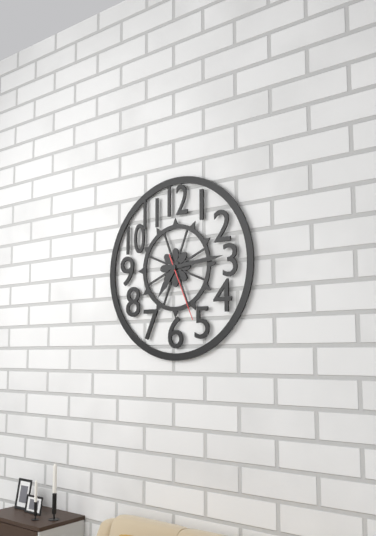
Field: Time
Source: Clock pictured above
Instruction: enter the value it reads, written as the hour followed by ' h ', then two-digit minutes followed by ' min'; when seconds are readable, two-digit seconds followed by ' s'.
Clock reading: 7 h 14 min 26 s
